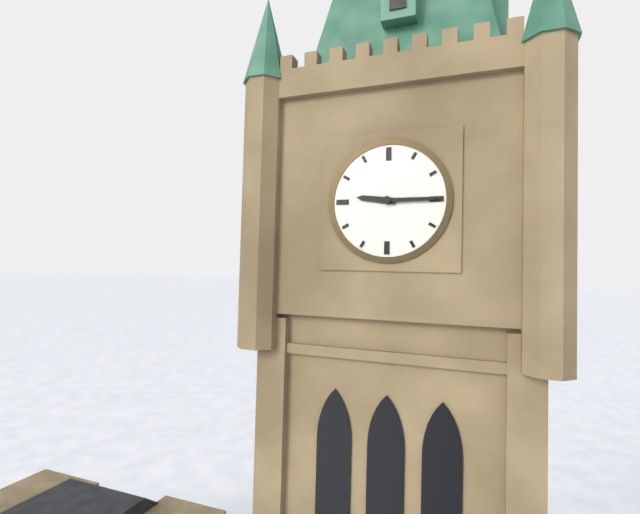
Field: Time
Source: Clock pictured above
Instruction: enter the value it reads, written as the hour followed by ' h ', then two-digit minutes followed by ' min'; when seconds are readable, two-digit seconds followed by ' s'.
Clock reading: 9 h 15 min
